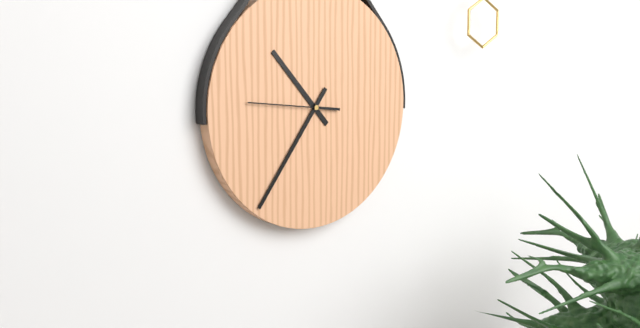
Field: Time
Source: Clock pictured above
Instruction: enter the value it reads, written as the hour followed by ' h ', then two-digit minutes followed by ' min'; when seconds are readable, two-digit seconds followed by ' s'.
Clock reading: 10 h 36 min 46 s
